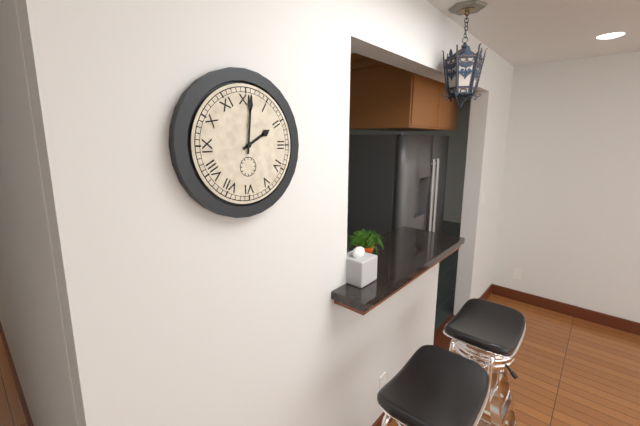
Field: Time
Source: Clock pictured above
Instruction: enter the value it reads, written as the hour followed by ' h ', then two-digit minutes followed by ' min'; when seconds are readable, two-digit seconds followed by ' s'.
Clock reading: 2 h 01 min
